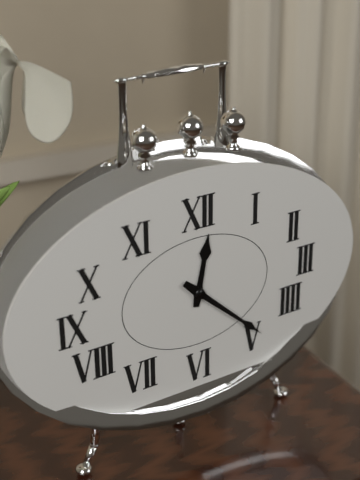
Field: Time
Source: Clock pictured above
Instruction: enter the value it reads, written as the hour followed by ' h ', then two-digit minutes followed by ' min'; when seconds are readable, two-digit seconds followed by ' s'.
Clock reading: 12 h 22 min
